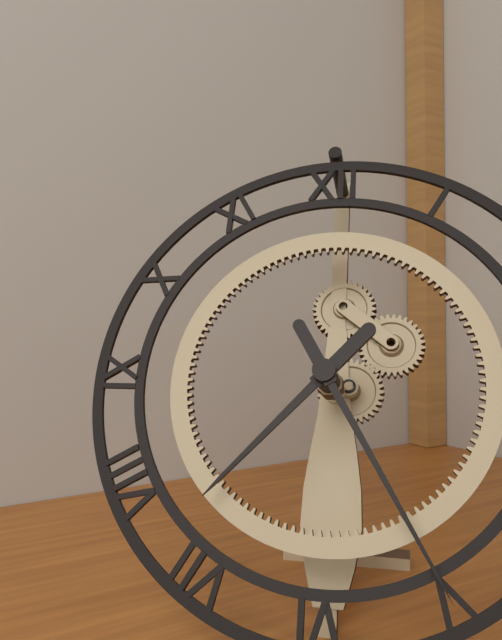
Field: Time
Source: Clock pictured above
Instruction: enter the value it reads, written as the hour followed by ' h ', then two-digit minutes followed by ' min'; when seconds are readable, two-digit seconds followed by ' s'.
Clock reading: 7 h 25 min
